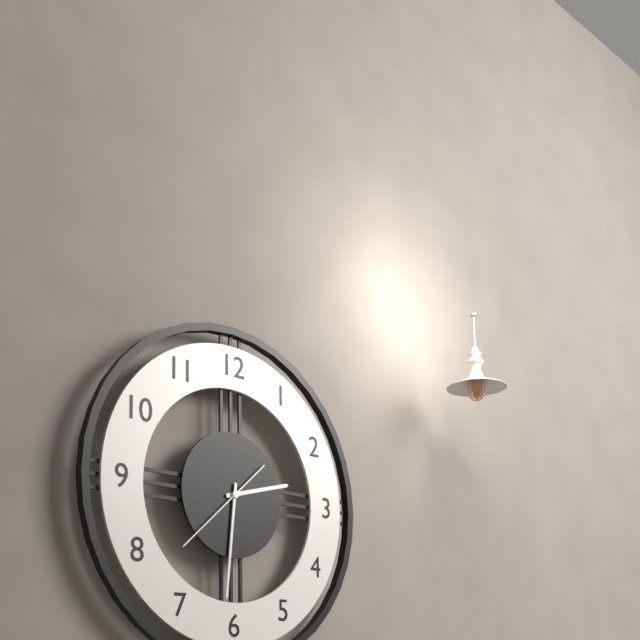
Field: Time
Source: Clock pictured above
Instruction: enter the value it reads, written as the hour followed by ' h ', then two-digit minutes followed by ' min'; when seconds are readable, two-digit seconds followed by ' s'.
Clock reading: 2 h 31 min 38 s
